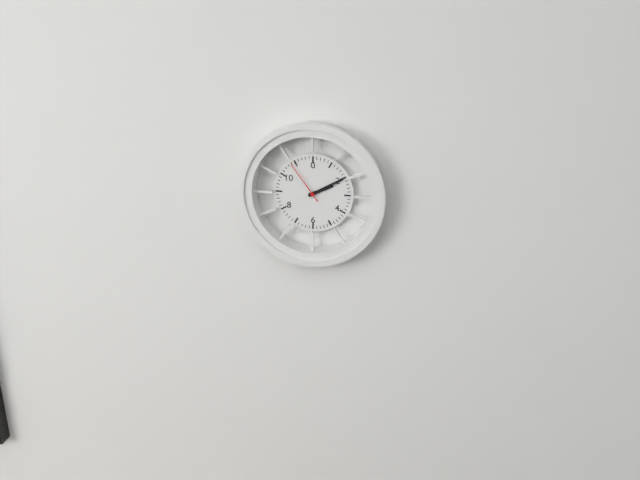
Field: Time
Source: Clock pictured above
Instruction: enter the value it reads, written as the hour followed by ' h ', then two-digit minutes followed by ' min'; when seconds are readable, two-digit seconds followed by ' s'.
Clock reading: 2 h 10 min
